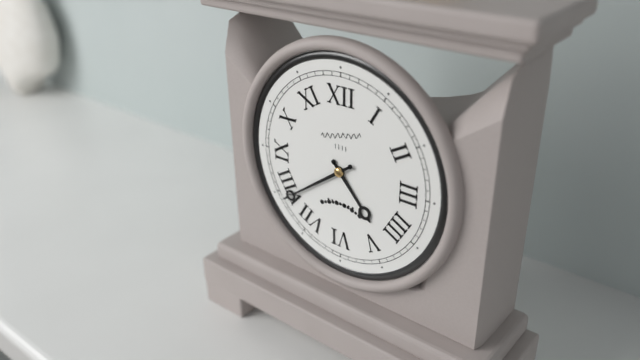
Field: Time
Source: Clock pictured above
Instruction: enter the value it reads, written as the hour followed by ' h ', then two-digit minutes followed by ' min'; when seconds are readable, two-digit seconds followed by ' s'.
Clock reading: 4 h 39 min
